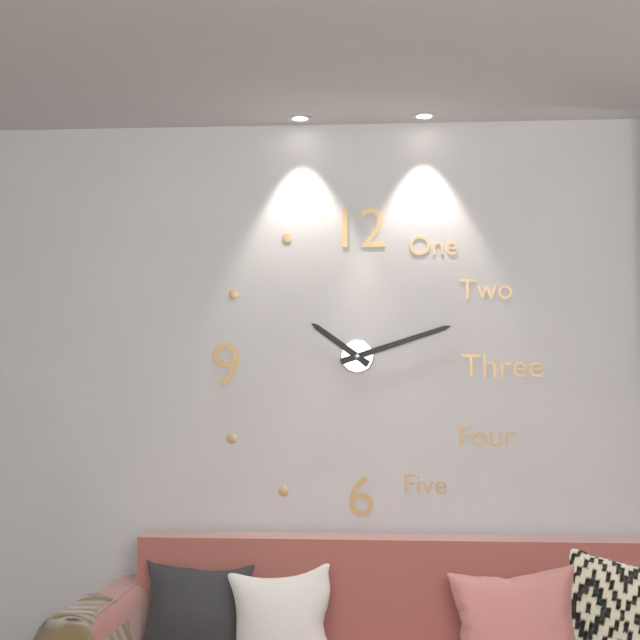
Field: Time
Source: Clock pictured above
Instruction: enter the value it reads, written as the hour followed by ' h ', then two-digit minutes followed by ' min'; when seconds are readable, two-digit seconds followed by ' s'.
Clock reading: 10 h 12 min
